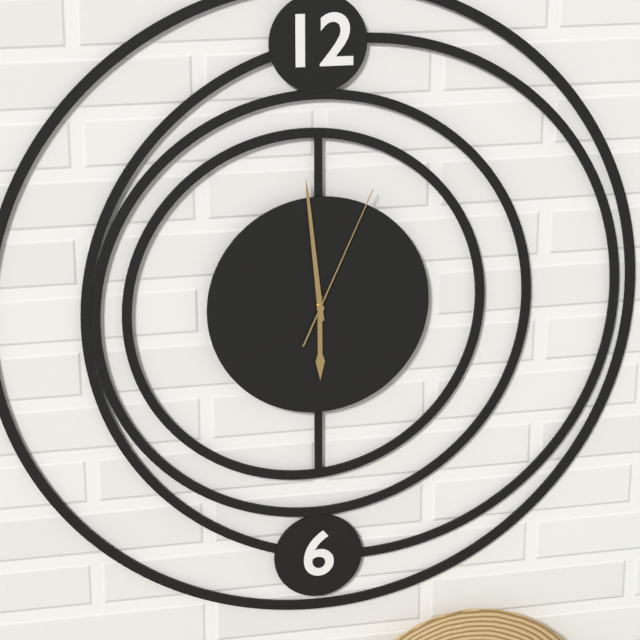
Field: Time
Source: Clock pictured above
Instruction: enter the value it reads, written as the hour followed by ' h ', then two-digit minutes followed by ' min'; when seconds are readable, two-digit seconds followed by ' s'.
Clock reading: 5 h 59 min 04 s
